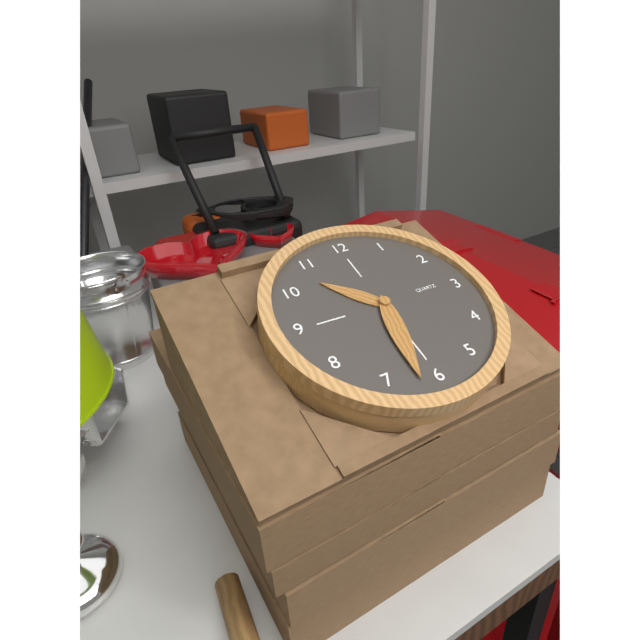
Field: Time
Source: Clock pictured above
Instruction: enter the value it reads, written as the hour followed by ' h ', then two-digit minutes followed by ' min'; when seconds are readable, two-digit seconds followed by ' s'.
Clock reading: 10 h 32 min
